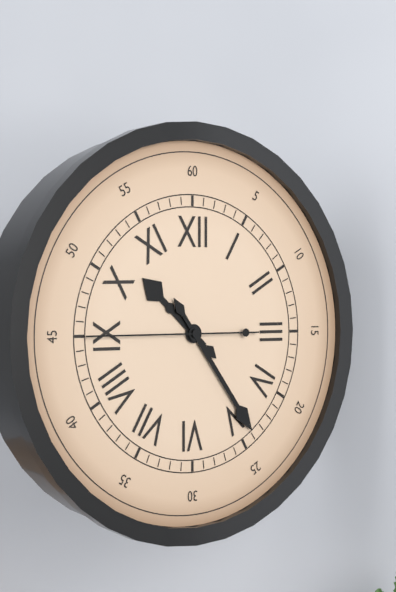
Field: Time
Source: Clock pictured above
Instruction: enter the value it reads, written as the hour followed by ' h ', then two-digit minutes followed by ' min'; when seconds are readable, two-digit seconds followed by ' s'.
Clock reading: 10 h 24 min 45 s
